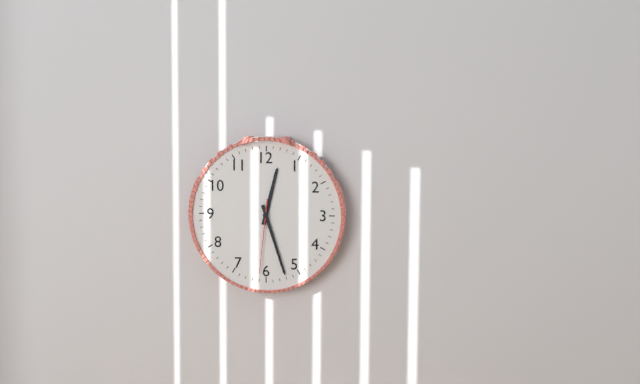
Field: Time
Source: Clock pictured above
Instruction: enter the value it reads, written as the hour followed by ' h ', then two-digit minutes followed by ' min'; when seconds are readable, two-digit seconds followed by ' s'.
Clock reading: 12 h 27 min 31 s
